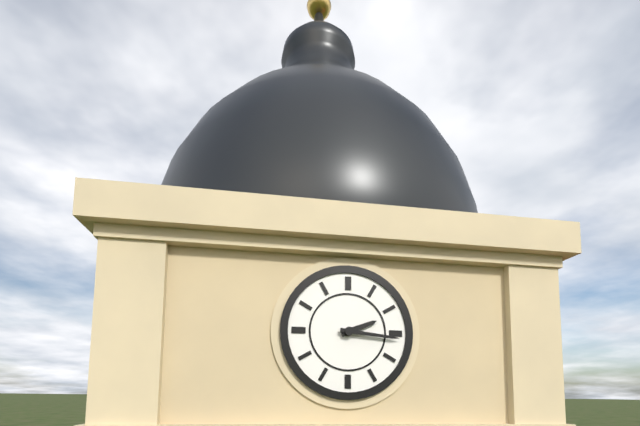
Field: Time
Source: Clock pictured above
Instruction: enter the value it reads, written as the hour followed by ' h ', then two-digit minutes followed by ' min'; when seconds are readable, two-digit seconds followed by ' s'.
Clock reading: 2 h 16 min
